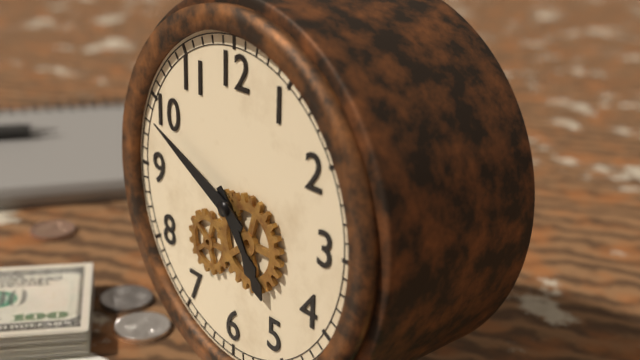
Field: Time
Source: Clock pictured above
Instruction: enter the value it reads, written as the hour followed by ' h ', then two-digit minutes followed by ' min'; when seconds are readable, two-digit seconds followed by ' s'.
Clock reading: 4 h 49 min
